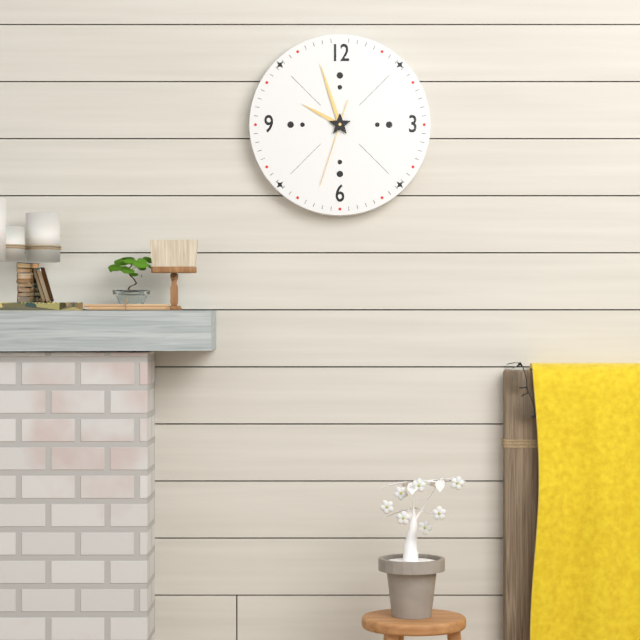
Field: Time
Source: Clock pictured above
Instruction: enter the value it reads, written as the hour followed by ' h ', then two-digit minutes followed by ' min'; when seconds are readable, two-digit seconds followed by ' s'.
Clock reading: 9 h 57 min 33 s
